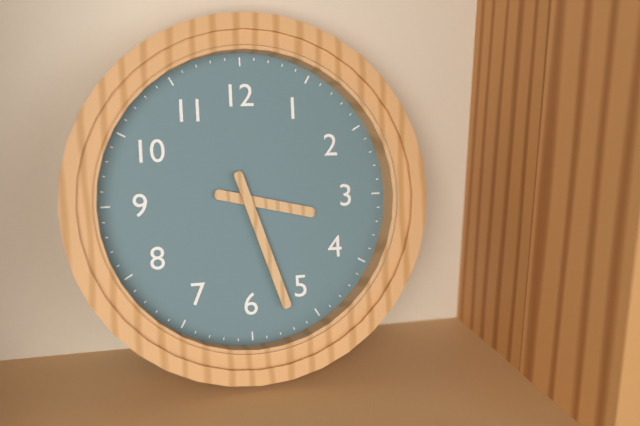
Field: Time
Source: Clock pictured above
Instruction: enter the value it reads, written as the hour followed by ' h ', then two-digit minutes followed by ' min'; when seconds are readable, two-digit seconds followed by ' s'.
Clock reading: 3 h 27 min
